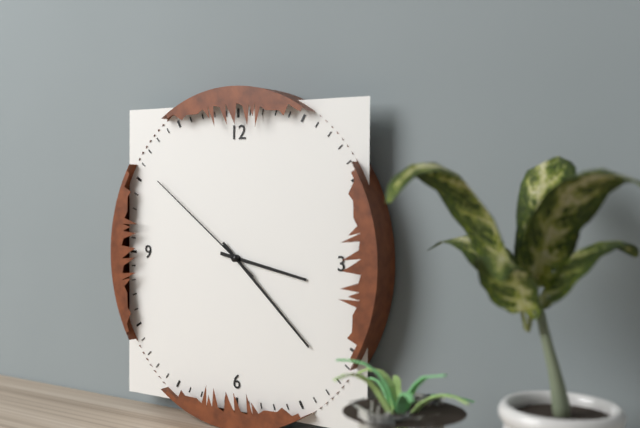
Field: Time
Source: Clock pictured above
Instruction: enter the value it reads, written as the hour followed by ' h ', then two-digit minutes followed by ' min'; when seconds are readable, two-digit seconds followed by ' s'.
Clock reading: 3 h 22 min 51 s
